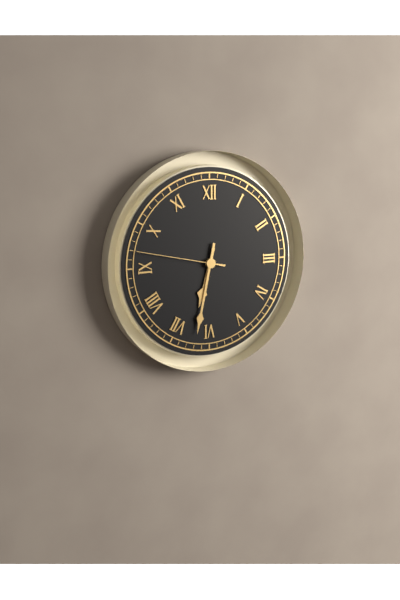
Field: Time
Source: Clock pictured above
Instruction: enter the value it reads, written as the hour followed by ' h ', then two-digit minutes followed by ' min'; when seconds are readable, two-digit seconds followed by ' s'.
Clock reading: 6 h 32 min 47 s
